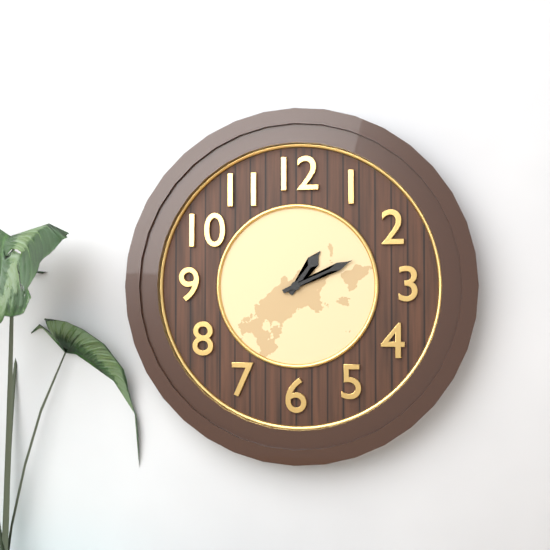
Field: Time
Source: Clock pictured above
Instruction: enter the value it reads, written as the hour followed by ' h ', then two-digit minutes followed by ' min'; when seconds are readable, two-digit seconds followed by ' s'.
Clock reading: 1 h 11 min
